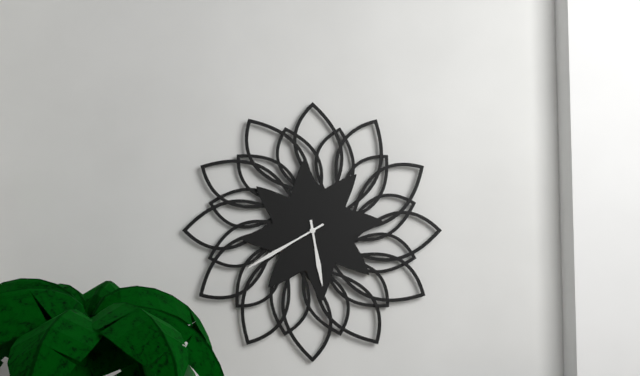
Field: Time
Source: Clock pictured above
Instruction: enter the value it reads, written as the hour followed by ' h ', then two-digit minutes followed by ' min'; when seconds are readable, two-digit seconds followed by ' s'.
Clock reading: 5 h 40 min
